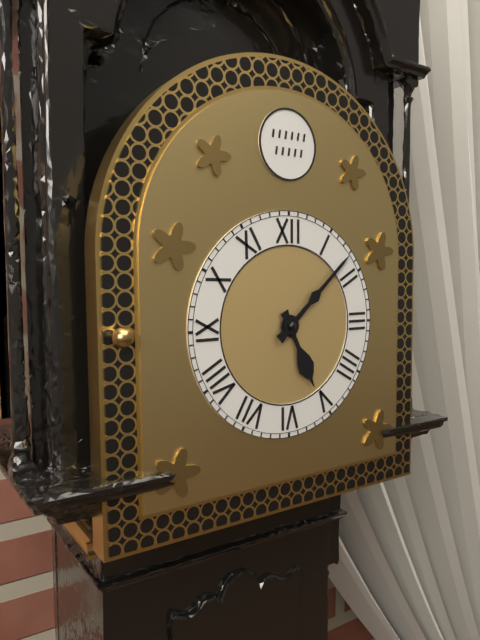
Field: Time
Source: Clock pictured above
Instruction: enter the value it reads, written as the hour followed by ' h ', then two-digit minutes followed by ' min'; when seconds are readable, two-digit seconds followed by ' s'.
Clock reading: 5 h 08 min
